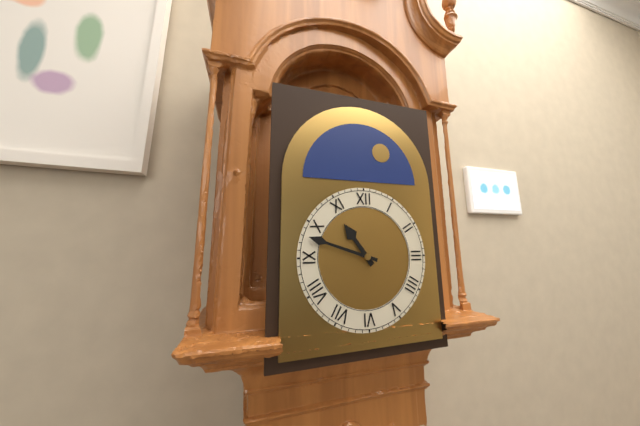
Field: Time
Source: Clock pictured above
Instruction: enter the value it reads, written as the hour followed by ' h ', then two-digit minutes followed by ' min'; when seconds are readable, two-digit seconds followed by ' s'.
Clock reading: 10 h 48 min
